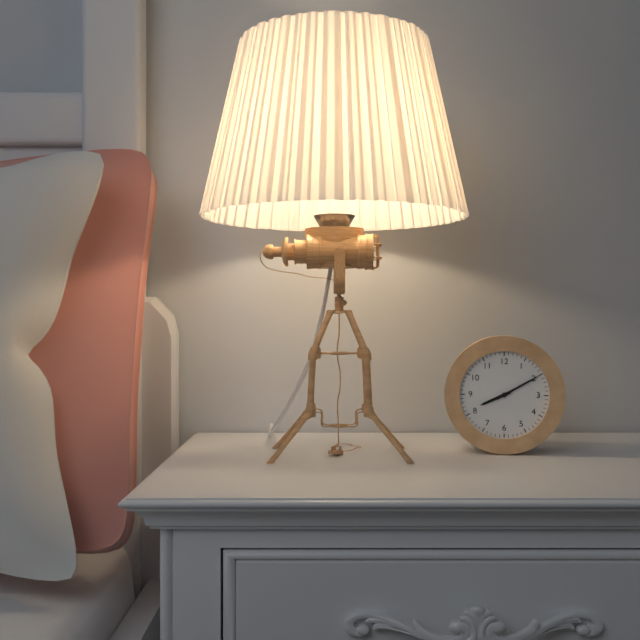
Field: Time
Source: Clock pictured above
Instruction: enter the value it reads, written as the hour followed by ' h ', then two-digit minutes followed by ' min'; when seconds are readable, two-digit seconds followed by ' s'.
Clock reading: 8 h 10 min
